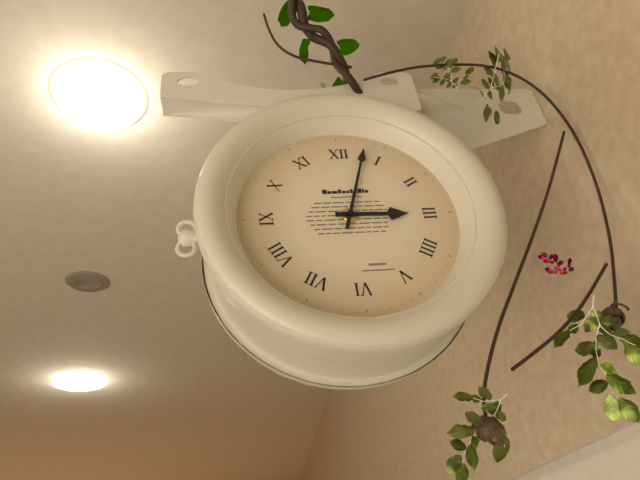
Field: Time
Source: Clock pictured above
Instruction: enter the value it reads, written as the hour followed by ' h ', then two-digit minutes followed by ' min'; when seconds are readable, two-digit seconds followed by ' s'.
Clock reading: 3 h 03 min
